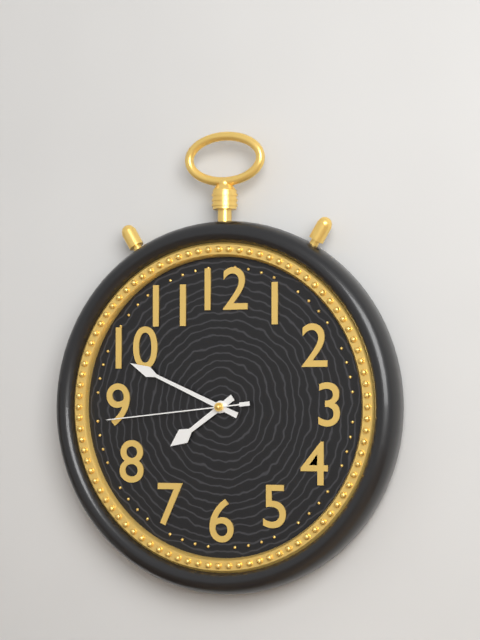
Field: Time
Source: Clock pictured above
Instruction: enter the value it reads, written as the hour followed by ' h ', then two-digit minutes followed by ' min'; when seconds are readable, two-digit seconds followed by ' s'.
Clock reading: 7 h 49 min 44 s
